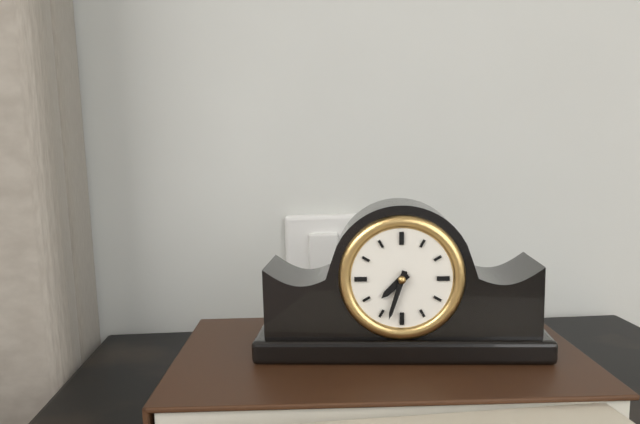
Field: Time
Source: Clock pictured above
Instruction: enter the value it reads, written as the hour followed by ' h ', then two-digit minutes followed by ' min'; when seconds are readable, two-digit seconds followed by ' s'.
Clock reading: 7 h 33 min
